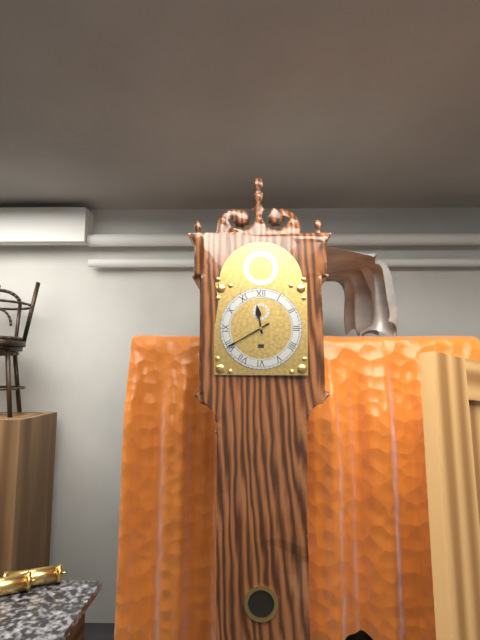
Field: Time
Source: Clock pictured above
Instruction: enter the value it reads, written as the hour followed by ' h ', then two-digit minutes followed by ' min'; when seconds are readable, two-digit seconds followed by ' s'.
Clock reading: 11 h 40 min
